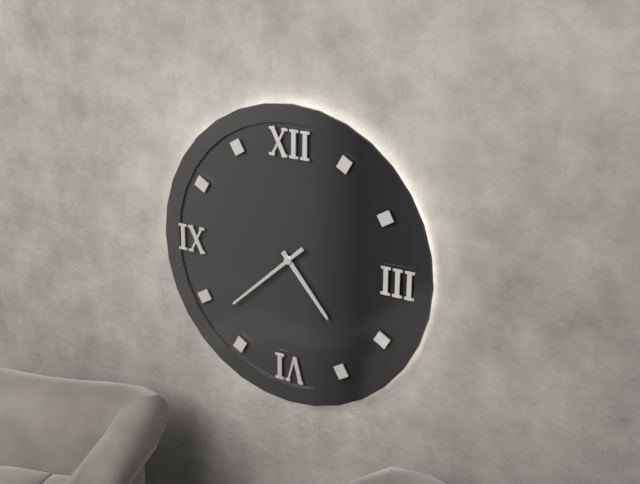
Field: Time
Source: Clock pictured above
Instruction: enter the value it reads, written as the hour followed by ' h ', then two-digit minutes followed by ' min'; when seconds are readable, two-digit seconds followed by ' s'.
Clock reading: 4 h 38 min
